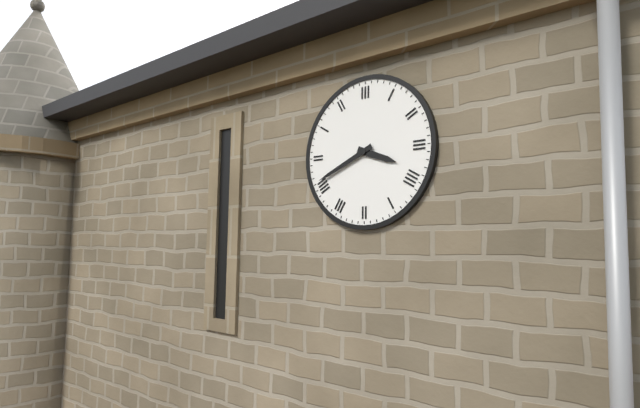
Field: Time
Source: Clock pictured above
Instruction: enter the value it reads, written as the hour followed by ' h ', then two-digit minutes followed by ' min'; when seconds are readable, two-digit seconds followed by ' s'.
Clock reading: 3 h 41 min
